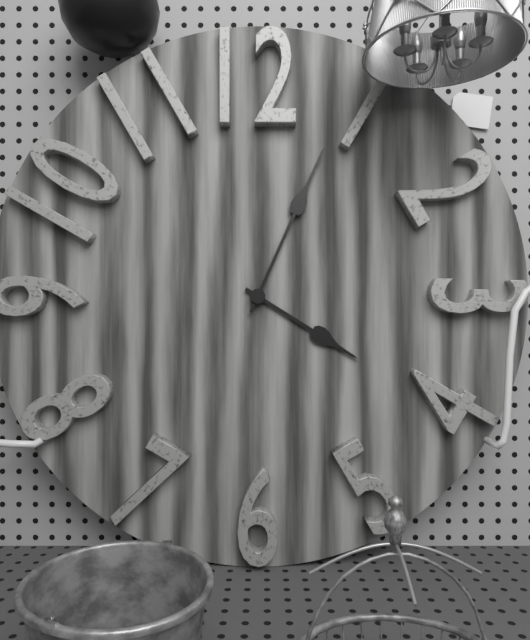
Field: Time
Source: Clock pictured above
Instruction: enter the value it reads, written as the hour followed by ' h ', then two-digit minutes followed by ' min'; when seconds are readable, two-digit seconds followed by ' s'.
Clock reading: 4 h 04 min
